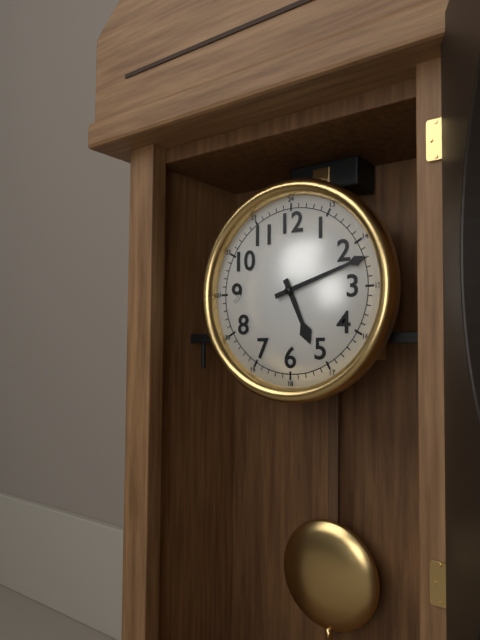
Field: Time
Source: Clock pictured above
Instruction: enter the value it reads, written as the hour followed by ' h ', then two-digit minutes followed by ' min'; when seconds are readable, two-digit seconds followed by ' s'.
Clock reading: 5 h 12 min
